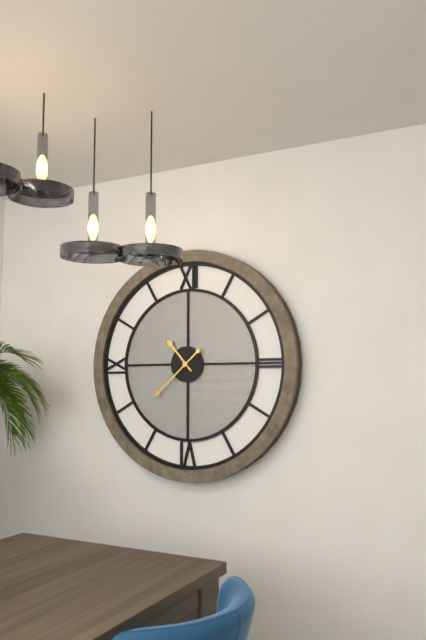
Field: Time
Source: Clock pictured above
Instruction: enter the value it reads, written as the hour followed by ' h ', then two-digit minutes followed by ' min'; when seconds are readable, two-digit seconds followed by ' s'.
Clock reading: 10 h 38 min
